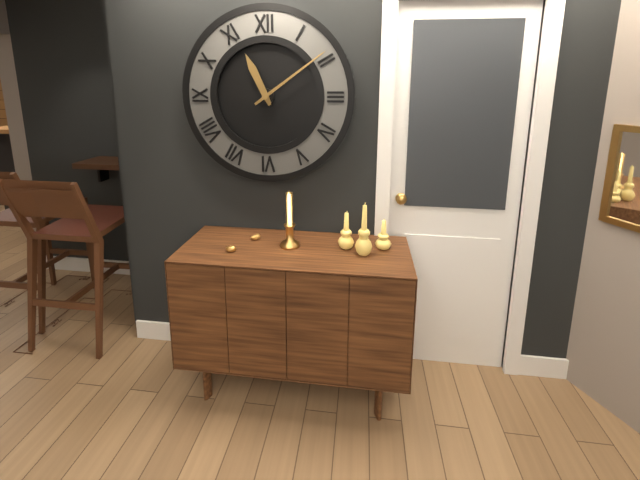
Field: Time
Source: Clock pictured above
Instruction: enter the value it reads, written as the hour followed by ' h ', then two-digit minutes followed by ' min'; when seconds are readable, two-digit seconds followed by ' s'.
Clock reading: 11 h 09 min
